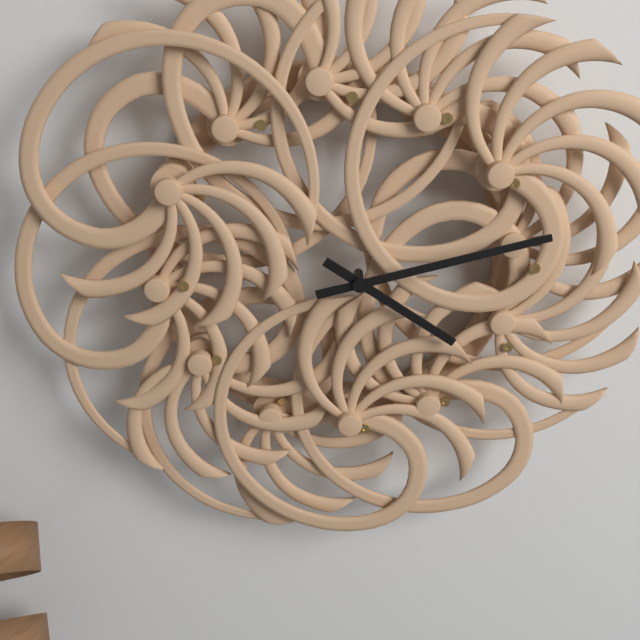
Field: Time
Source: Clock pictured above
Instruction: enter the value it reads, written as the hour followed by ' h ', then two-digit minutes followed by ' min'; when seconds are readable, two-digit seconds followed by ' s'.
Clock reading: 4 h 13 min
